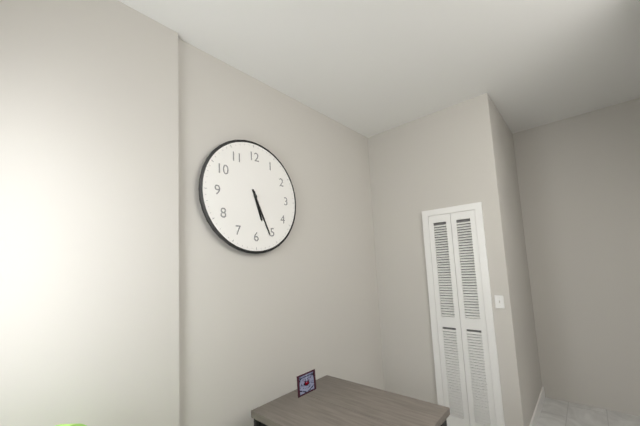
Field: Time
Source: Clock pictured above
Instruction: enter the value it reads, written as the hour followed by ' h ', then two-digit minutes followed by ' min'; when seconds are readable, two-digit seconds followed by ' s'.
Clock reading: 5 h 26 min
